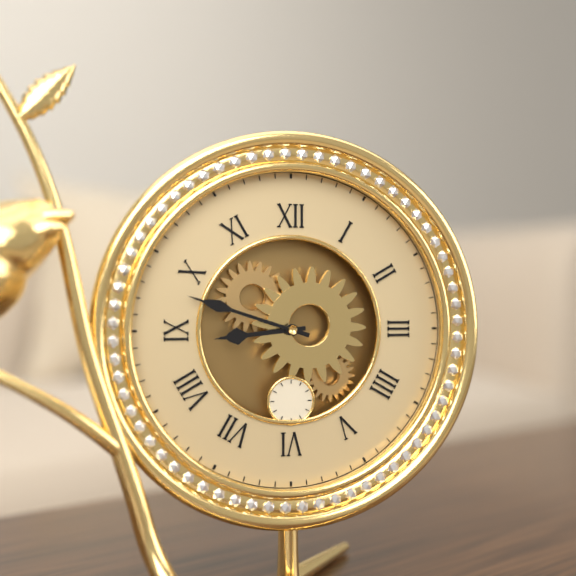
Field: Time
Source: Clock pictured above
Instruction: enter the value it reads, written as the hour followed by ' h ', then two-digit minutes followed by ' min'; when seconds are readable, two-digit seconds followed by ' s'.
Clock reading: 8 h 48 min
